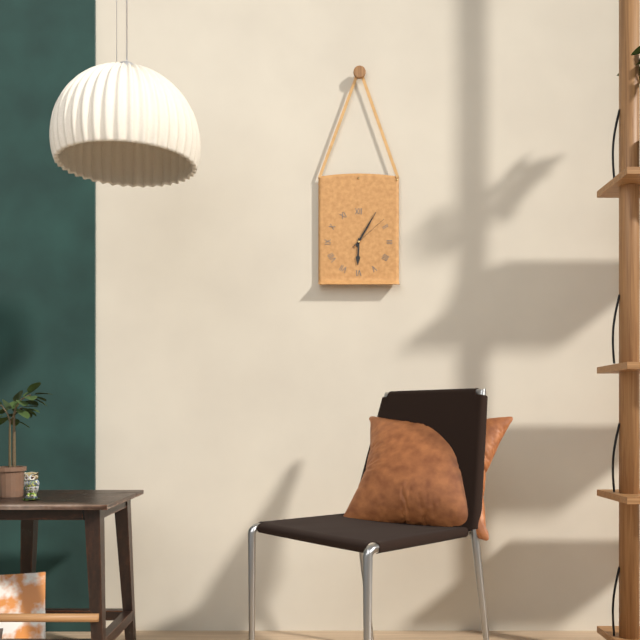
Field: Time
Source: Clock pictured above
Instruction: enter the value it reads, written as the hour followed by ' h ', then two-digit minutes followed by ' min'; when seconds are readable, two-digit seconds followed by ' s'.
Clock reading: 6 h 05 min
